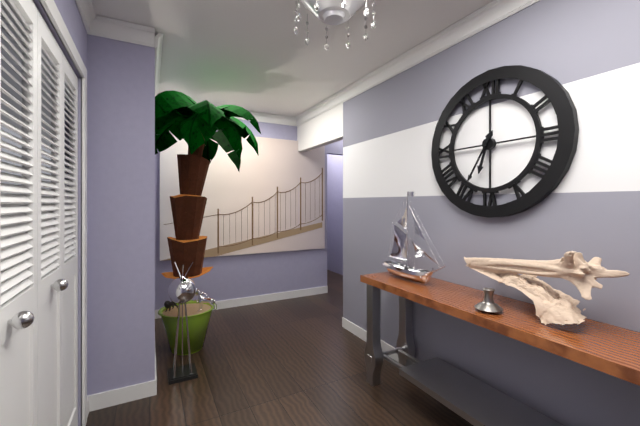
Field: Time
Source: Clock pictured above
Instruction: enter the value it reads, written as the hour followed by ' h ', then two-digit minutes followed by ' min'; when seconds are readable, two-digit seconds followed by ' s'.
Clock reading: 6 h 35 min
